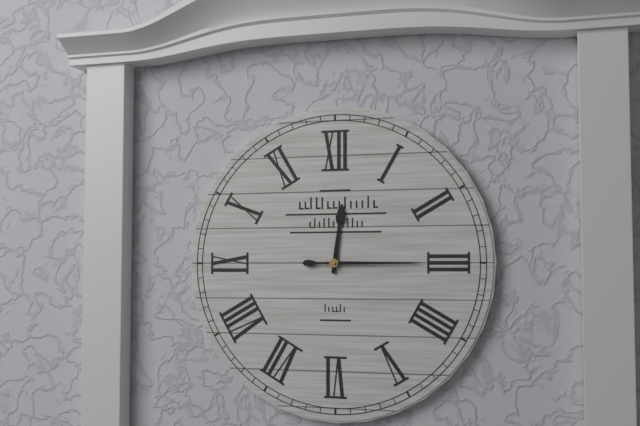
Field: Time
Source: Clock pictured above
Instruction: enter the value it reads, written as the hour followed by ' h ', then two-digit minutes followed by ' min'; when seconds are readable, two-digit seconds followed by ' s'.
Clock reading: 12 h 15 min
